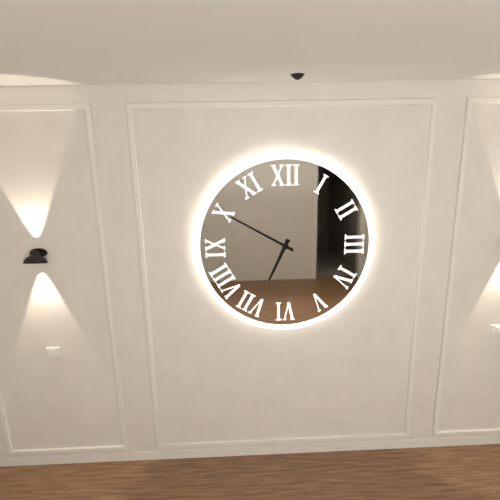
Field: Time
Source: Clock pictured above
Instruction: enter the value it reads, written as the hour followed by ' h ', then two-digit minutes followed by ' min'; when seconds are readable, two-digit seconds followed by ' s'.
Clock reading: 6 h 50 min
